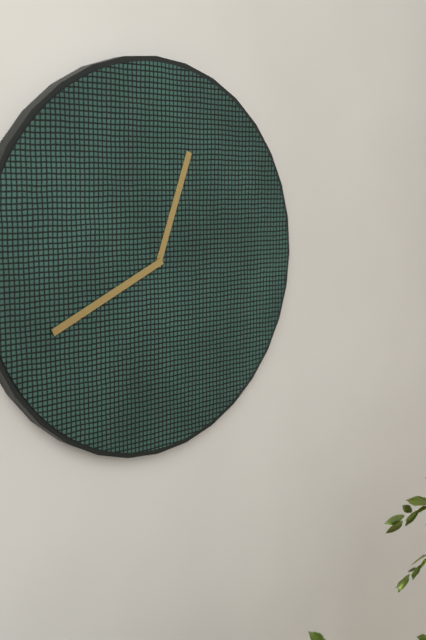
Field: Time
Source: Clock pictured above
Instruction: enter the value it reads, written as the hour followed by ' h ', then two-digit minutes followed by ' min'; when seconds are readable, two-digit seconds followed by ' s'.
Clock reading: 12 h 41 min
